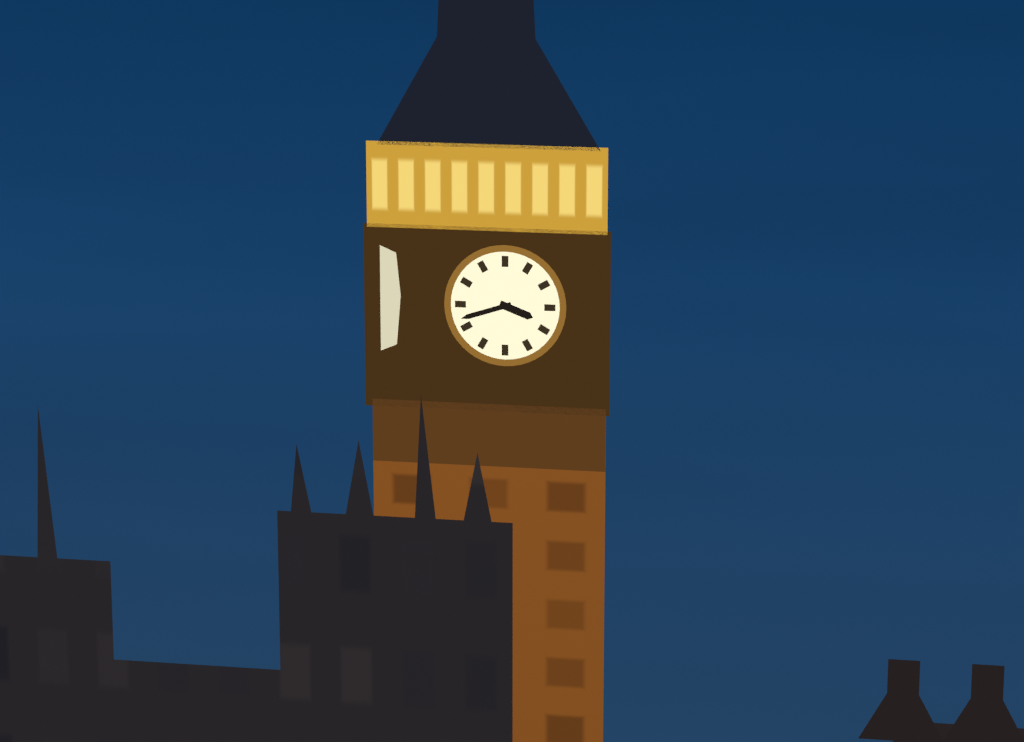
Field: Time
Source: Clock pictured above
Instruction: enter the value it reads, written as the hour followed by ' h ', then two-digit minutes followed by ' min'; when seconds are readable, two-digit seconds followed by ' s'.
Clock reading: 3 h 42 min
